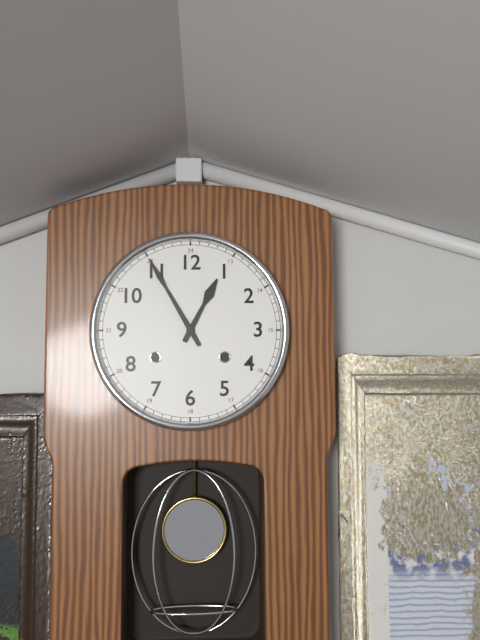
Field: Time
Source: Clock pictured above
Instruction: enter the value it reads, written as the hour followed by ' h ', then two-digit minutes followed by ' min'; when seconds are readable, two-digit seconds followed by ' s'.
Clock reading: 12 h 55 min
